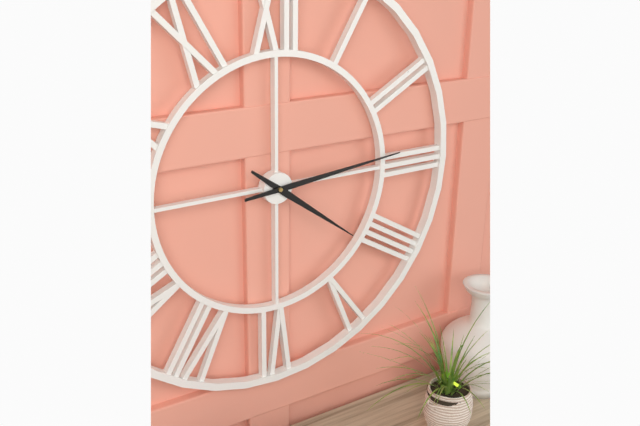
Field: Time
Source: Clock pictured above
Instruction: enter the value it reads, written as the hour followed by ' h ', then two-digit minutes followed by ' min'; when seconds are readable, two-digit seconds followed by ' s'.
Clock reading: 4 h 14 min
